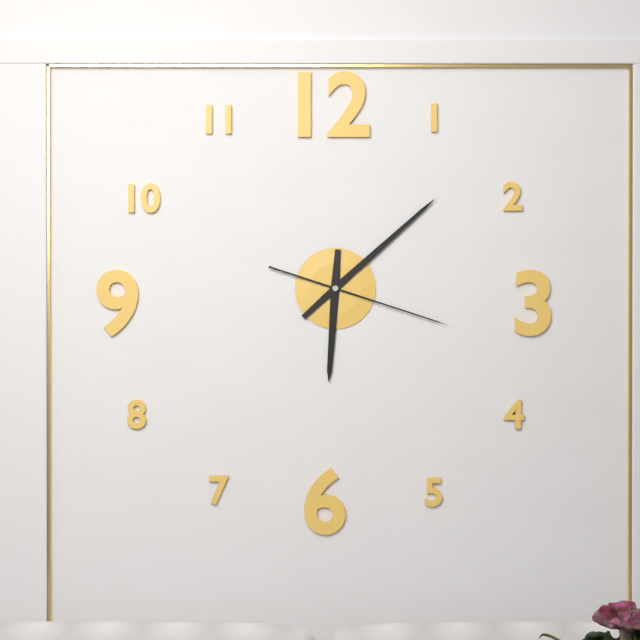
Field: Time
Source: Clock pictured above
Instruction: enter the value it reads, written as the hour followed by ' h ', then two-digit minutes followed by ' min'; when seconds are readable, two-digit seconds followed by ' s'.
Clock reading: 6 h 08 min 18 s
